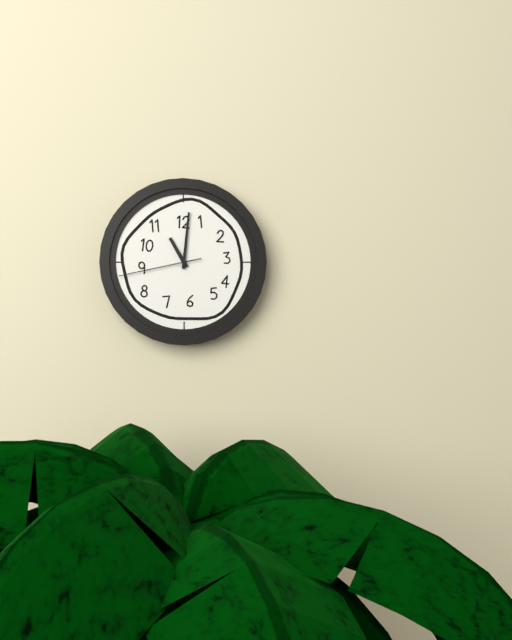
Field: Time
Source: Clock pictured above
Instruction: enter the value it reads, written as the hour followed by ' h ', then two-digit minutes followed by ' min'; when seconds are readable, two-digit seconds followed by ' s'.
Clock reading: 11 h 01 min 43 s
